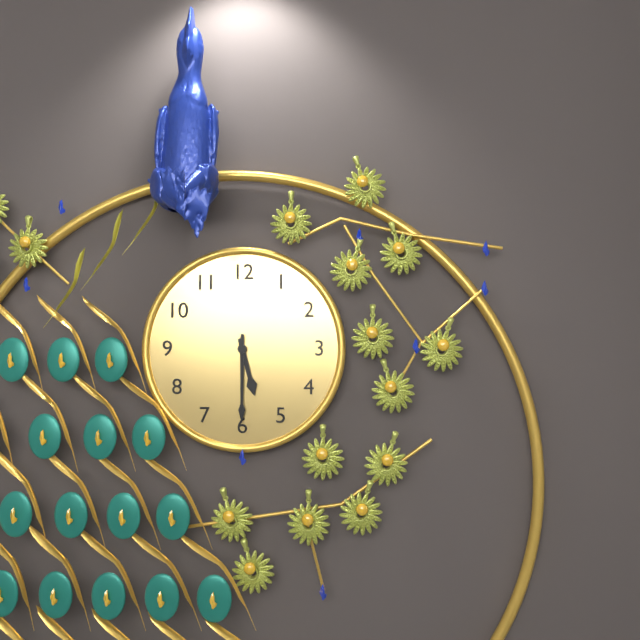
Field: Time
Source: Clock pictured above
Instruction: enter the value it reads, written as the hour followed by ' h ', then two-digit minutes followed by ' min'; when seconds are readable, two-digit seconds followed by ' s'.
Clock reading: 5 h 30 min
